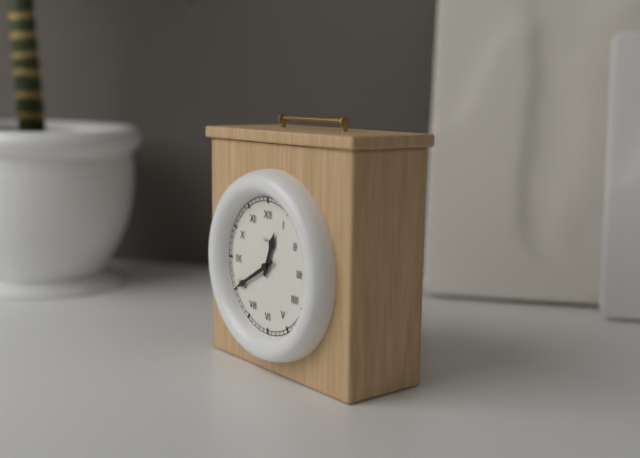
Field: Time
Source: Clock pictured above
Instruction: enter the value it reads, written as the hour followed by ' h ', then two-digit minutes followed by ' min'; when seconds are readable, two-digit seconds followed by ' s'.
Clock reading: 12 h 40 min
